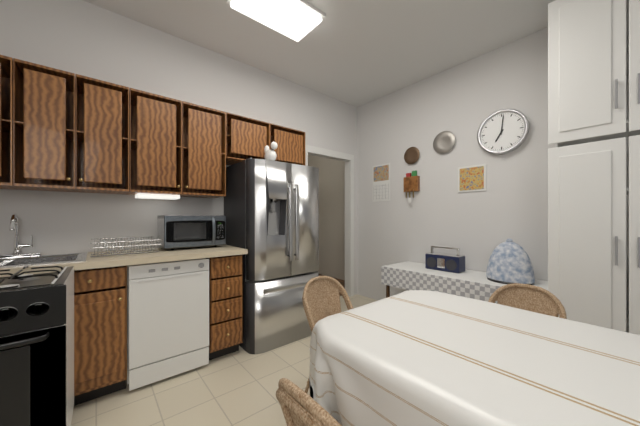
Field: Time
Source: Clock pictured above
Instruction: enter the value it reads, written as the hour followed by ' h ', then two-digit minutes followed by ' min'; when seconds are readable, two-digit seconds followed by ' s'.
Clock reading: 7 h 01 min
